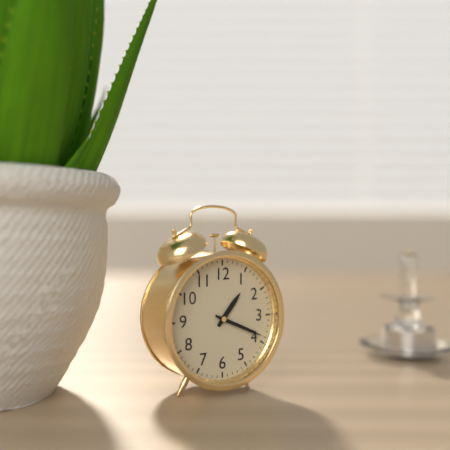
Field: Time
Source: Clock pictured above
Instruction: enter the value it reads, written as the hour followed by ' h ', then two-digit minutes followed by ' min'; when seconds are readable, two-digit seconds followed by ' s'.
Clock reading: 1 h 19 min
